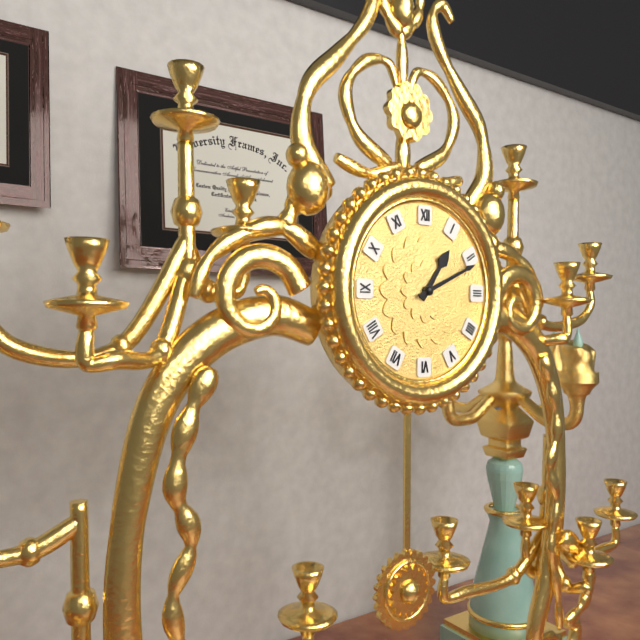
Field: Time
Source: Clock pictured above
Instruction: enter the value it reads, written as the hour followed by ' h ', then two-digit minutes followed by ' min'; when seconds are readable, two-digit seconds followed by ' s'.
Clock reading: 1 h 11 min
